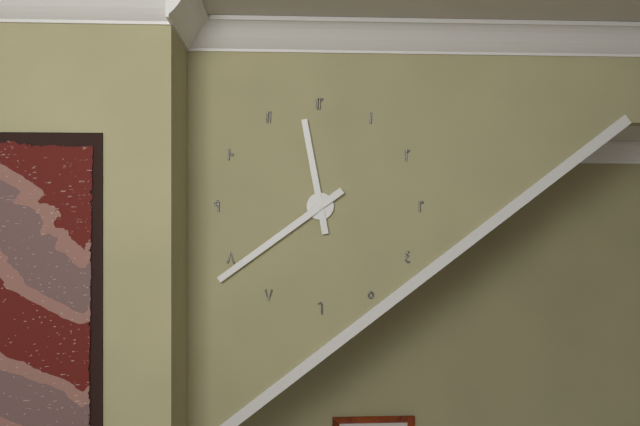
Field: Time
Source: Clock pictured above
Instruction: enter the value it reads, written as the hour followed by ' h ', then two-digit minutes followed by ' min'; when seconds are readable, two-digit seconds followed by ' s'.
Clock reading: 11 h 39 min
